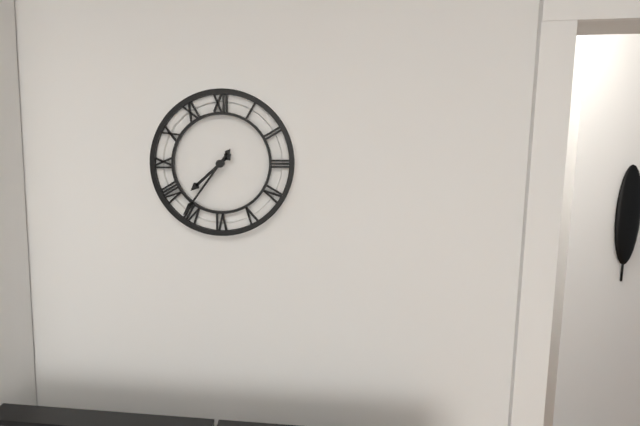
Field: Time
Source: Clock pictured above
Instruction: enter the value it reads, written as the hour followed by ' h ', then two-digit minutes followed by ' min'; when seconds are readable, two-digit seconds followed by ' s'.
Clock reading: 7 h 36 min
